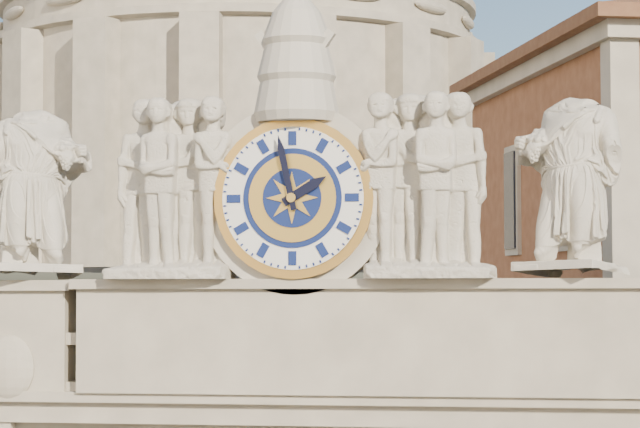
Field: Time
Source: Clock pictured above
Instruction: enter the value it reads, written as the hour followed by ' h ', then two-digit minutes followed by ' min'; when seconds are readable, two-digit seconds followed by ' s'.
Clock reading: 1 h 58 min
